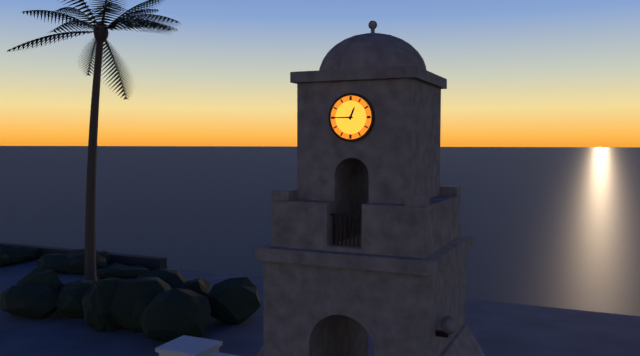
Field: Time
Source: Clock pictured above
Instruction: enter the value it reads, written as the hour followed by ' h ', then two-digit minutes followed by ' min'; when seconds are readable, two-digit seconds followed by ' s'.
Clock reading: 12 h 45 min
